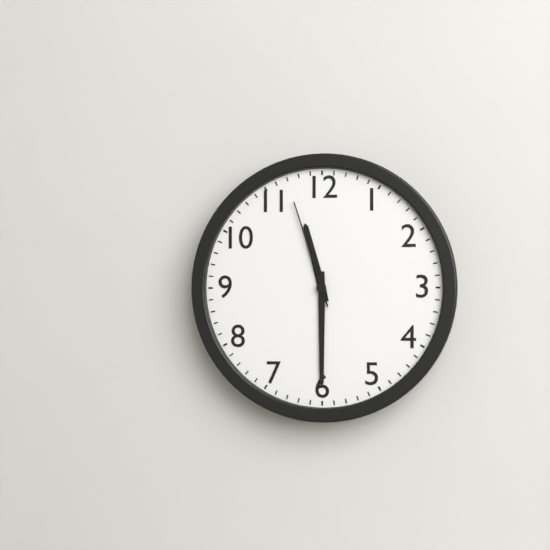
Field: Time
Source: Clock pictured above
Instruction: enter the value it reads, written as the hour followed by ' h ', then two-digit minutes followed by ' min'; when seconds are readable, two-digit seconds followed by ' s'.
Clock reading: 11 h 30 min 57 s
